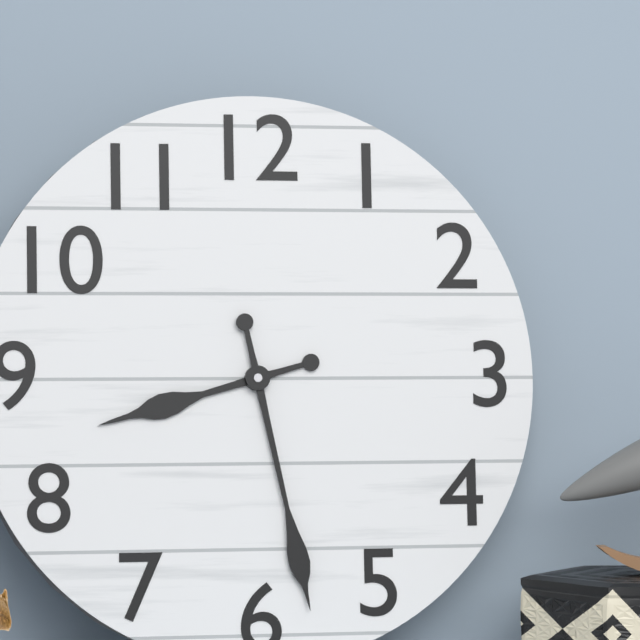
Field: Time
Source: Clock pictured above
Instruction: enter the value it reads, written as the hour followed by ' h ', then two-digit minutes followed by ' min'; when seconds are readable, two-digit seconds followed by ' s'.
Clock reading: 8 h 28 min
